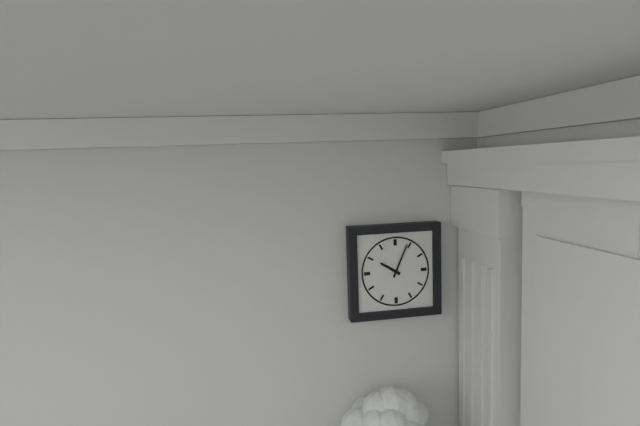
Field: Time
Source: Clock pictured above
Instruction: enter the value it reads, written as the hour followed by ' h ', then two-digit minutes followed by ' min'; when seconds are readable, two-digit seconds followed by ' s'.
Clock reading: 10 h 04 min
